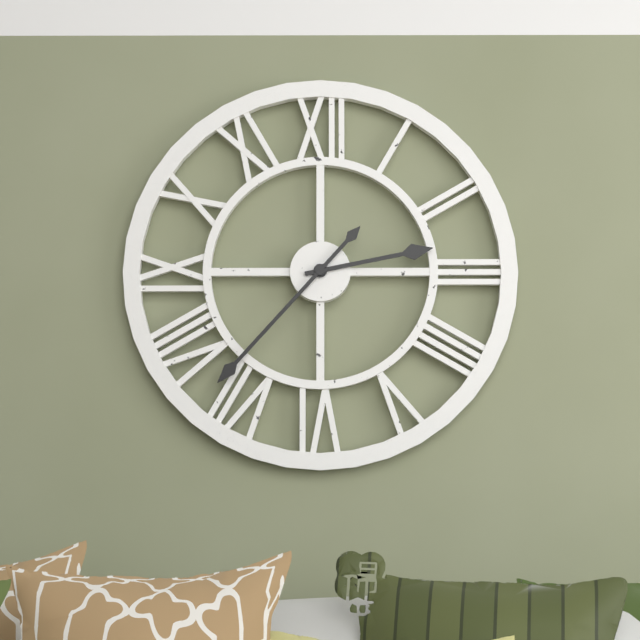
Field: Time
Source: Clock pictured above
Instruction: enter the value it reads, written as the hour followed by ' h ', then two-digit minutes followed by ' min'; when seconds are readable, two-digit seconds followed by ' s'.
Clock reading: 2 h 37 min
